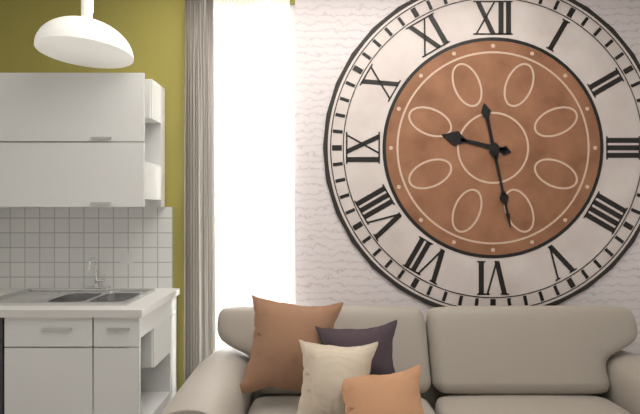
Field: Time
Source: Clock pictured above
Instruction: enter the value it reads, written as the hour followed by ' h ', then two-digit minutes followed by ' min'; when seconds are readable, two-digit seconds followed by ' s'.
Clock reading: 9 h 28 min
